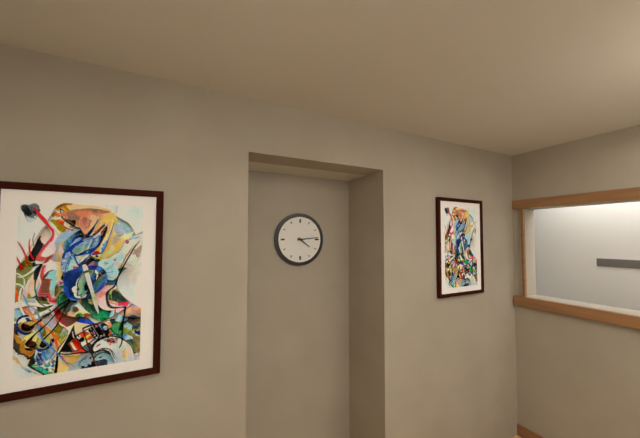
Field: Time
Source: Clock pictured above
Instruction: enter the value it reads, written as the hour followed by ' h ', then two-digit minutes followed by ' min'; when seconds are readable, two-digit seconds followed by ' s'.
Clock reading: 4 h 14 min
